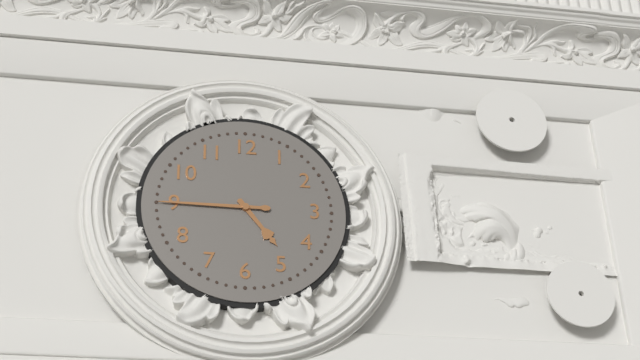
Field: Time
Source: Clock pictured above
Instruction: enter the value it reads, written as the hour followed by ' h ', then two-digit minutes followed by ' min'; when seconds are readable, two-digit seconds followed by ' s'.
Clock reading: 4 h 45 min
